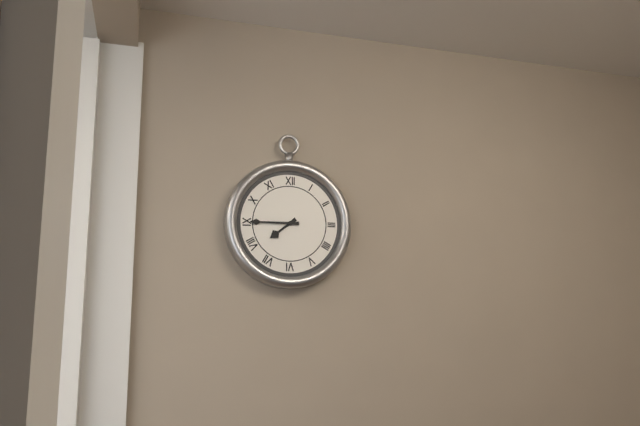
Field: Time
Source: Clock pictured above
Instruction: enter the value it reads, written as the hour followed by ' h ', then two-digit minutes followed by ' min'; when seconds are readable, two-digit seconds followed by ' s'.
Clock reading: 7 h 45 min
